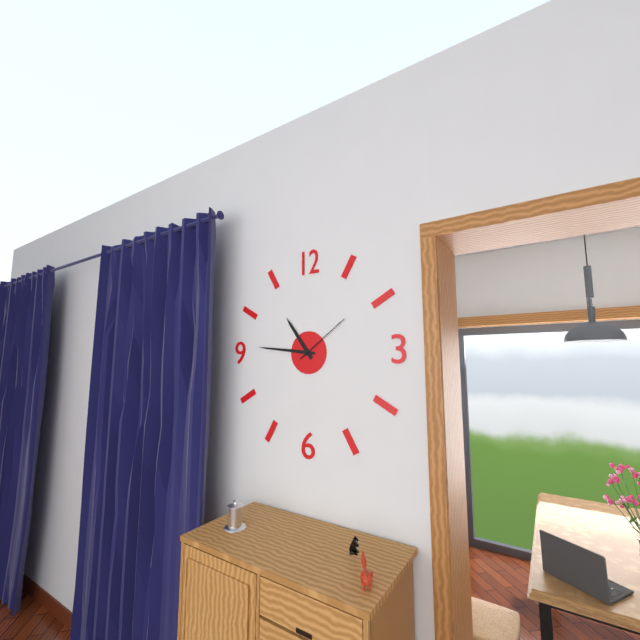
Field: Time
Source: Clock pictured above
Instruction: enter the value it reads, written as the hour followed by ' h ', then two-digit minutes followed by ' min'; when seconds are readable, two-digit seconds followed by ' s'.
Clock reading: 10 h 46 min 09 s
